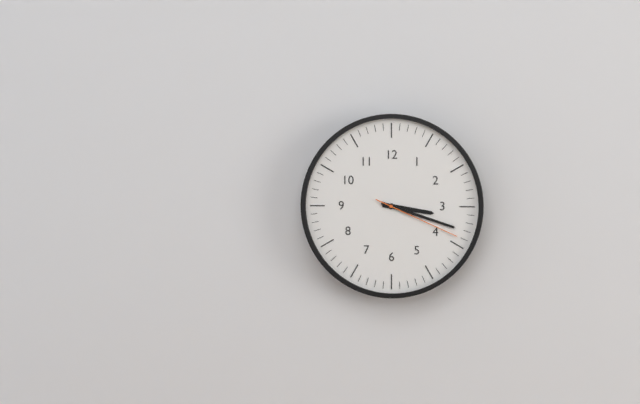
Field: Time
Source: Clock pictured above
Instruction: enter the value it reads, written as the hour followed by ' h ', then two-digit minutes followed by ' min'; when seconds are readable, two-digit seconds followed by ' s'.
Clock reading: 3 h 18 min 19 s
